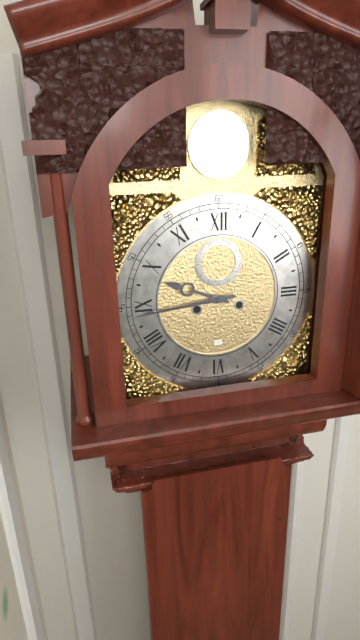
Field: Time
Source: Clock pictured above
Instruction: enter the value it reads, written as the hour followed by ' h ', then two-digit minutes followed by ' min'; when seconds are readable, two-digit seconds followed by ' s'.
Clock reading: 9 h 44 min
